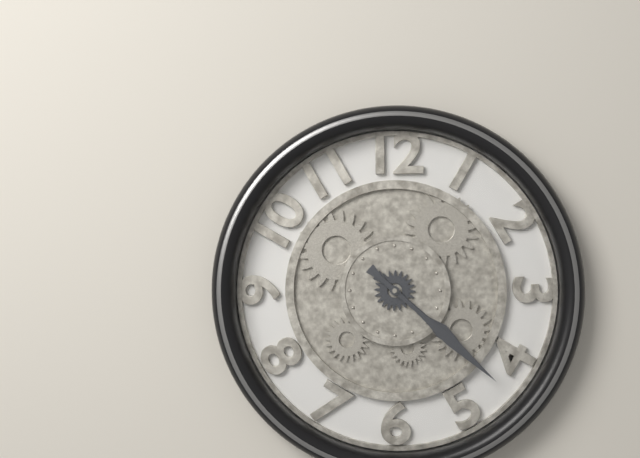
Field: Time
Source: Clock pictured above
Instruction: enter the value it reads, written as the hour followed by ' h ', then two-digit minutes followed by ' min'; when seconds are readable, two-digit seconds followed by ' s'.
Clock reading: 4 h 22 min
